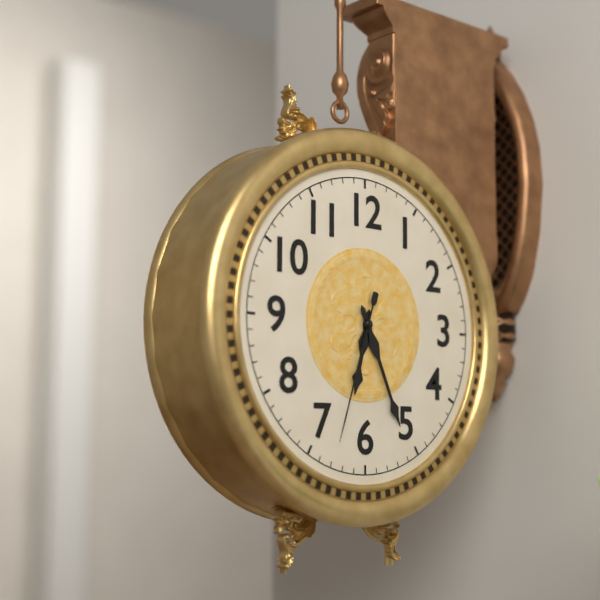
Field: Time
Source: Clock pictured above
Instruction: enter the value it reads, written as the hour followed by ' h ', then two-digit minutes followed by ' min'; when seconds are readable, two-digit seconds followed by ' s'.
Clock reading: 6 h 26 min 33 s
